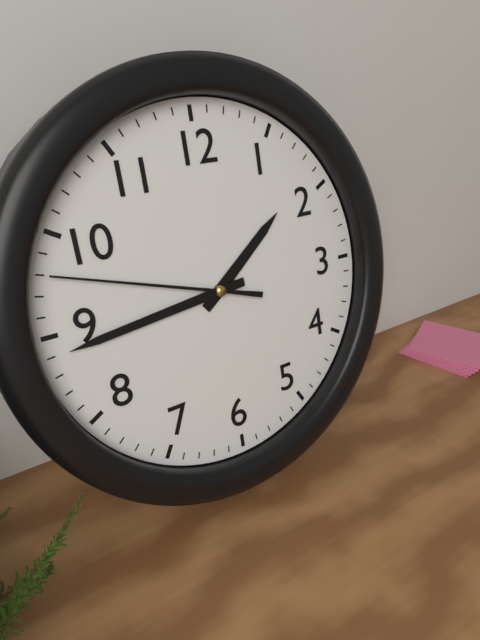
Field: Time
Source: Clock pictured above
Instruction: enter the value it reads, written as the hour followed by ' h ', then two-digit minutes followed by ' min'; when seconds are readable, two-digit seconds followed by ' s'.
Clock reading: 1 h 44 min 48 s
